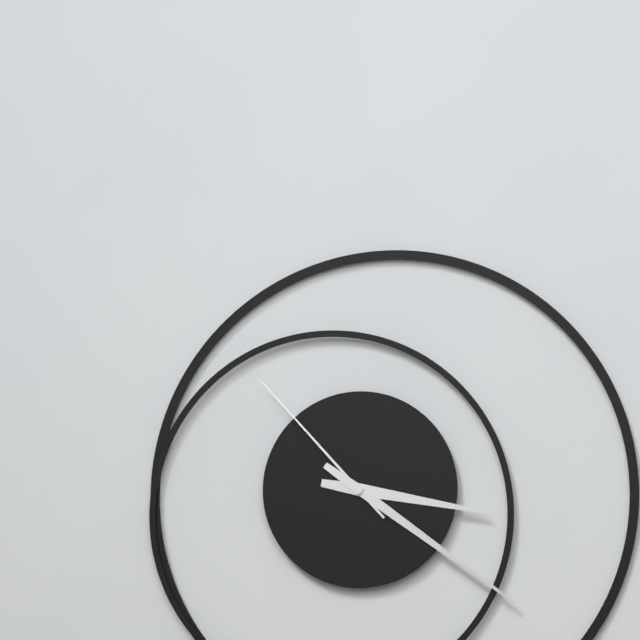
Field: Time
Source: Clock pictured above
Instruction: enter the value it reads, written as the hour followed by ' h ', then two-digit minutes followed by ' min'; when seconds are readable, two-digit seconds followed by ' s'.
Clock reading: 3 h 21 min 53 s
